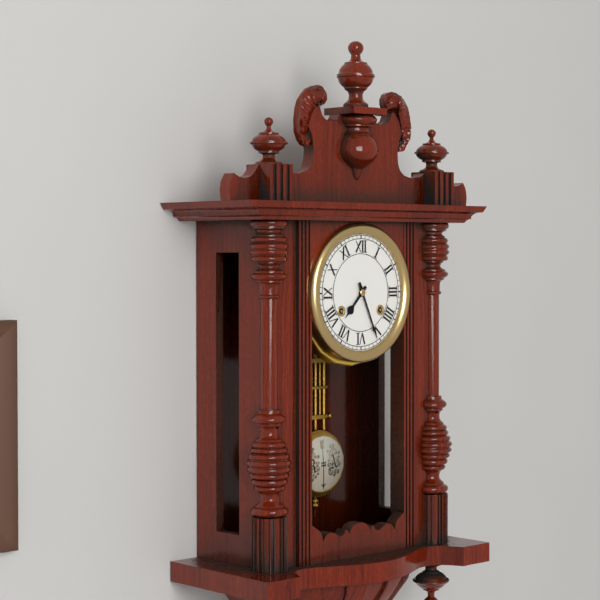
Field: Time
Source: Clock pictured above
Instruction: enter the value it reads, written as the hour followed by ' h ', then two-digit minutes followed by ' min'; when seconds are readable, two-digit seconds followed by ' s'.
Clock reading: 7 h 26 min
